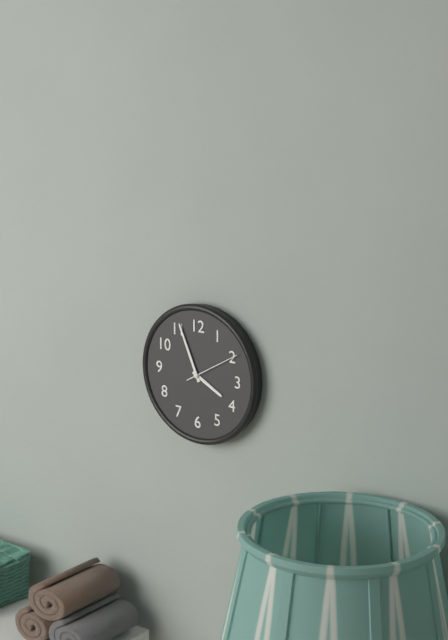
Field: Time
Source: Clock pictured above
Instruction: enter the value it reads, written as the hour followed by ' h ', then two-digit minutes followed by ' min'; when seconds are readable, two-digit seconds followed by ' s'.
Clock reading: 3 h 56 min
